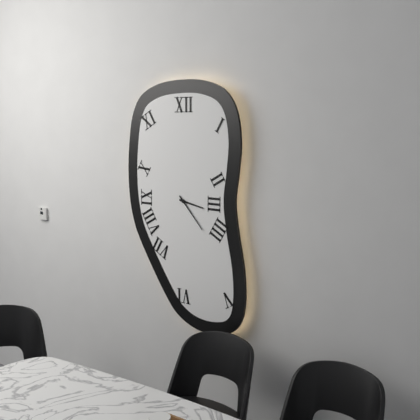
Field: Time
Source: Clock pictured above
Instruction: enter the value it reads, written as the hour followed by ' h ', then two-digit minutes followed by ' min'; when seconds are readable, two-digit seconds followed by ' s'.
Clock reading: 3 h 23 min
